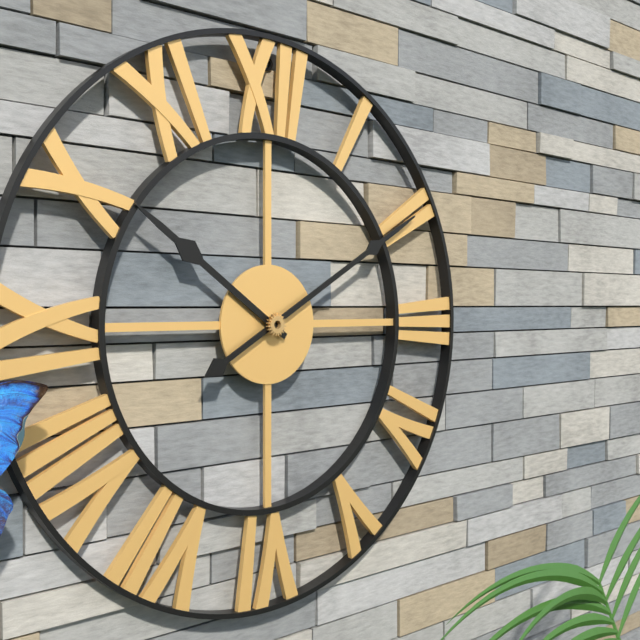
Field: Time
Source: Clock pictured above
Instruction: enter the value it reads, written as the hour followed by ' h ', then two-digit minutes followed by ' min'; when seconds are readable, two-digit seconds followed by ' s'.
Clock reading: 10 h 10 min
